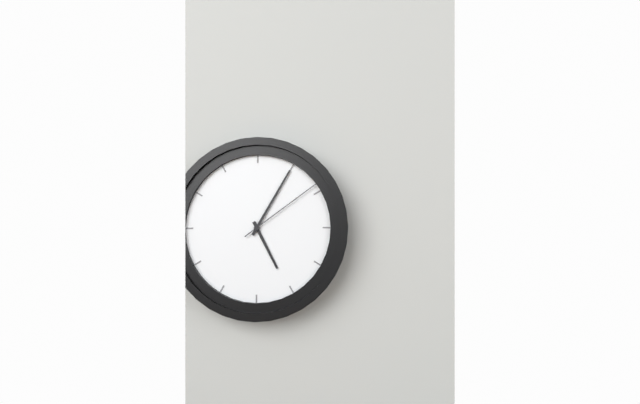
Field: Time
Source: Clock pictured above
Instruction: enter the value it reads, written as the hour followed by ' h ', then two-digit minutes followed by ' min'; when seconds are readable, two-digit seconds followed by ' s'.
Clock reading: 5 h 05 min 09 s
